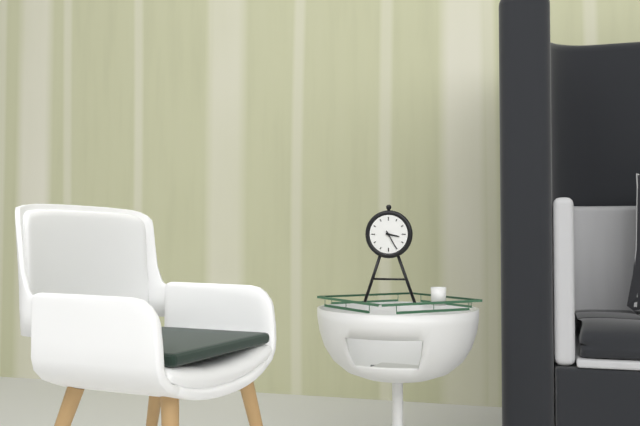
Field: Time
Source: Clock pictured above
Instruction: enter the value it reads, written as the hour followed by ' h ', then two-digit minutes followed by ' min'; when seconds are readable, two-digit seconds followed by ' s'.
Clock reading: 3 h 25 min
